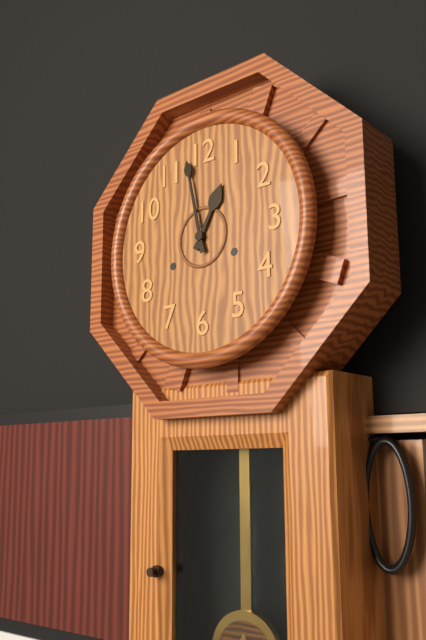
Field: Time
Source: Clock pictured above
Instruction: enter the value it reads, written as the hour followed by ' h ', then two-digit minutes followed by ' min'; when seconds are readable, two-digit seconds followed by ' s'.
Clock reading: 12 h 58 min
